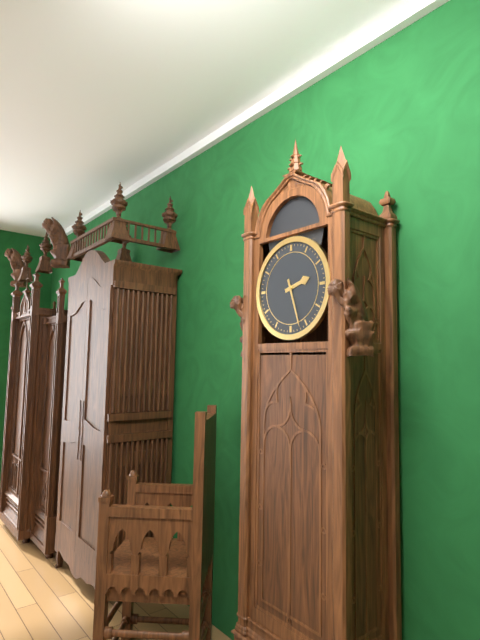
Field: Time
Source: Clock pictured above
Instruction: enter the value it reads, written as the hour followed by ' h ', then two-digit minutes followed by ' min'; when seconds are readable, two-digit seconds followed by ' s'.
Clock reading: 2 h 27 min
